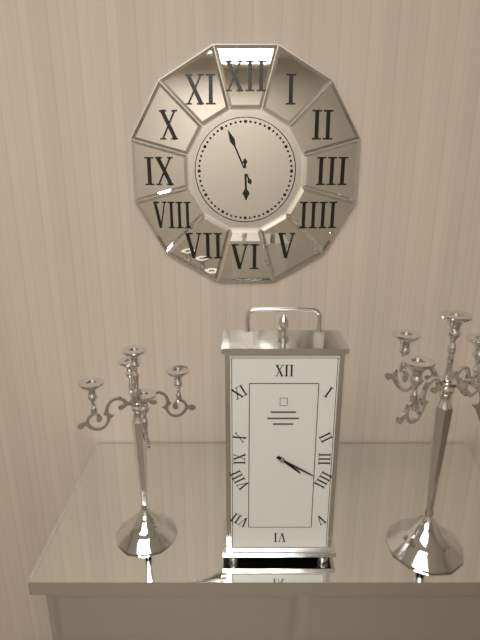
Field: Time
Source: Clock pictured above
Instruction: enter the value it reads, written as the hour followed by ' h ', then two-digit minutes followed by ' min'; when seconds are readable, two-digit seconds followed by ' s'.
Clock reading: 5 h 56 min
